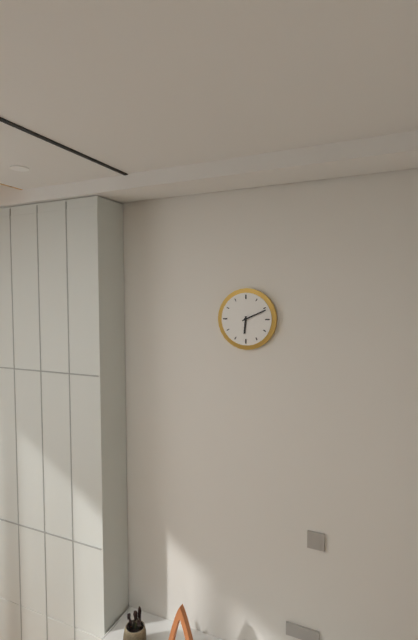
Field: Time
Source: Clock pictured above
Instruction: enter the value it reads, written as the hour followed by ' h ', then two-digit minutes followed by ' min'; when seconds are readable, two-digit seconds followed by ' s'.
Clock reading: 6 h 11 min
